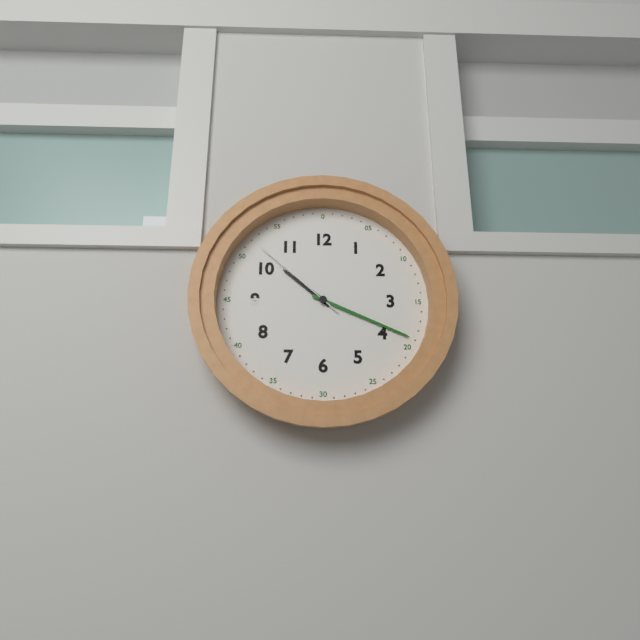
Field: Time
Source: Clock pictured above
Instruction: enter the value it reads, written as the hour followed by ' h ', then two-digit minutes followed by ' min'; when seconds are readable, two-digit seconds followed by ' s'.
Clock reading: 10 h 19 min 52 s
